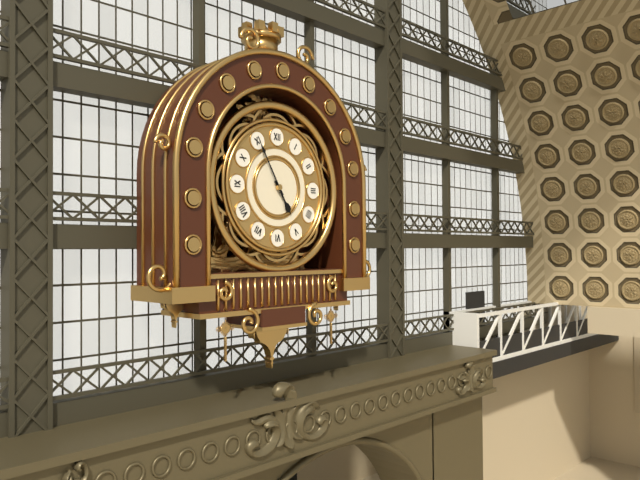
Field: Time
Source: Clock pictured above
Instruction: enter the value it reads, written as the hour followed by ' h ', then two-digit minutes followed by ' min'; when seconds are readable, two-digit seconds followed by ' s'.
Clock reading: 4 h 55 min
